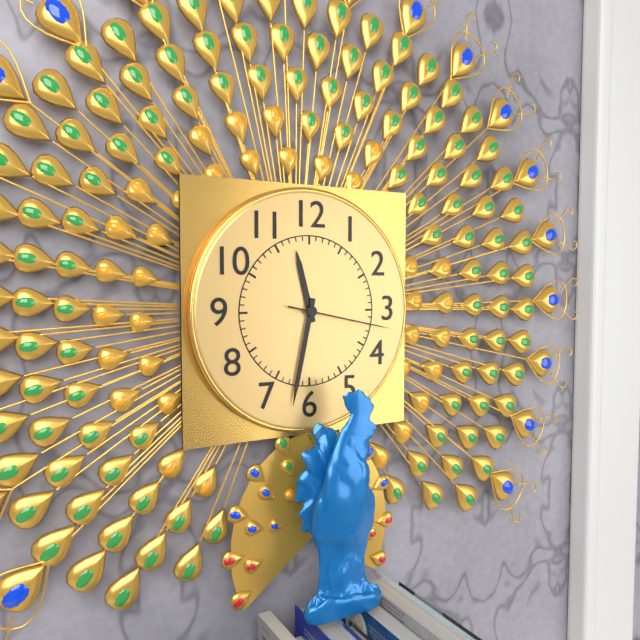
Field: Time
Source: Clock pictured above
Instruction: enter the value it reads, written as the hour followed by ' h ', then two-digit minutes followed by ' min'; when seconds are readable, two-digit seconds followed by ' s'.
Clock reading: 11 h 32 min 17 s
